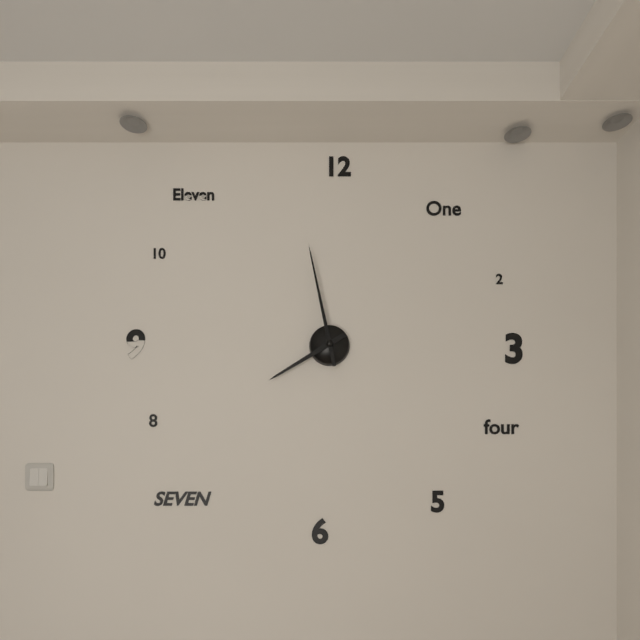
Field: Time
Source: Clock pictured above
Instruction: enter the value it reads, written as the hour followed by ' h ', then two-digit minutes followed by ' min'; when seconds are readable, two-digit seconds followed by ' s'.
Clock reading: 7 h 58 min
